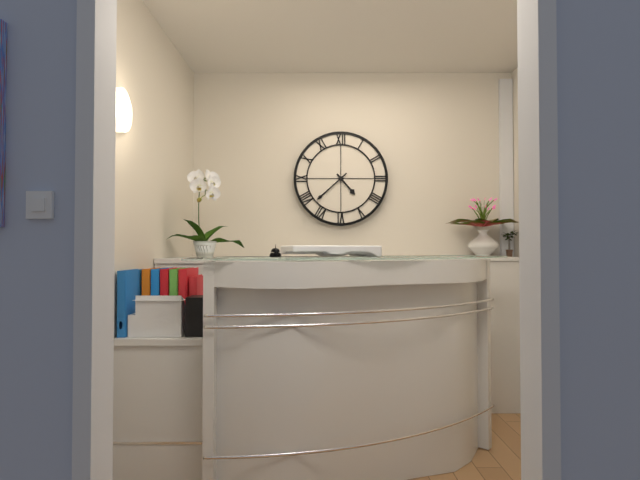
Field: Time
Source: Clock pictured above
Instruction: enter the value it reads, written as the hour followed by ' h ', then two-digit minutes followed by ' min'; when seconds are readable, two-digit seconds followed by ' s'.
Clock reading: 4 h 38 min
